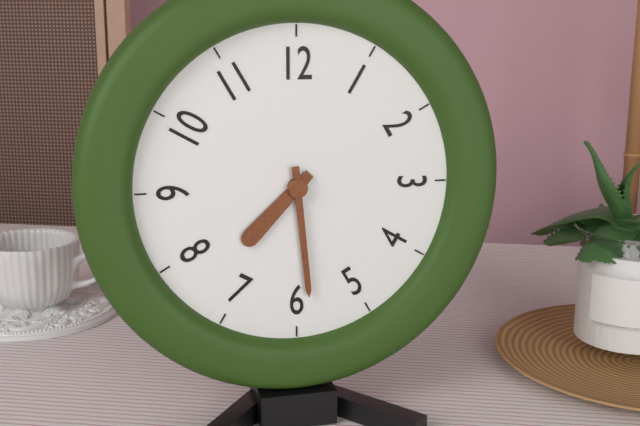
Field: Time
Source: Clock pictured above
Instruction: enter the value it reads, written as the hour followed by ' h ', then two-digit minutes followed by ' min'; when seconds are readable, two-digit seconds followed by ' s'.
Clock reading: 7 h 29 min
